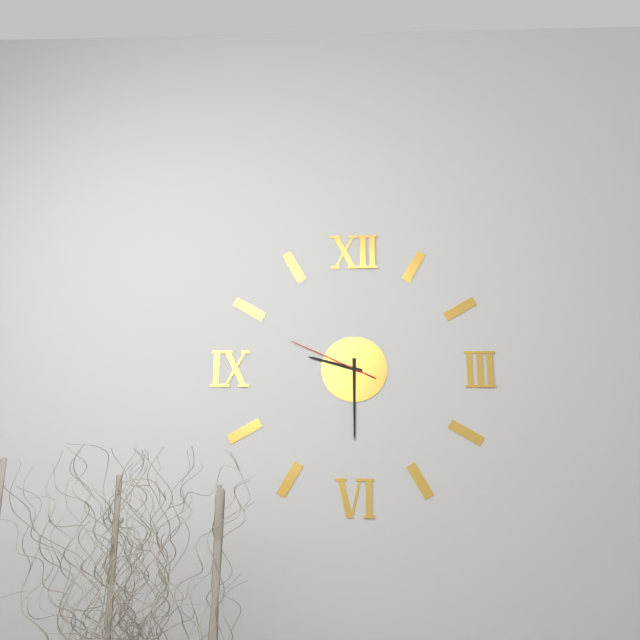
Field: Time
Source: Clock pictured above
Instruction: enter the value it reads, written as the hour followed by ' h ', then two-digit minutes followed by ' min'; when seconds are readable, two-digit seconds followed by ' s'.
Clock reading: 9 h 30 min 49 s
